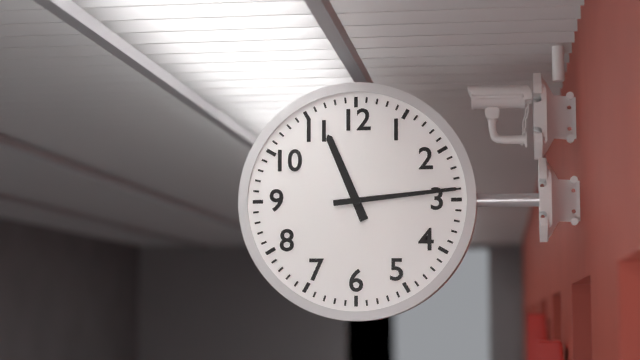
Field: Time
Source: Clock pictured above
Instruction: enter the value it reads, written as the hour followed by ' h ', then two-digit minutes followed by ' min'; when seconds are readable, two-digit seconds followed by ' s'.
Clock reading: 11 h 14 min
